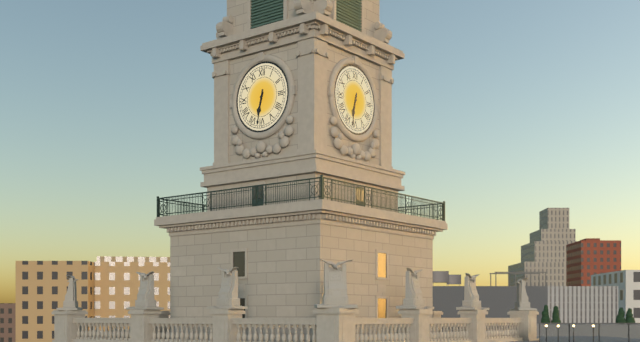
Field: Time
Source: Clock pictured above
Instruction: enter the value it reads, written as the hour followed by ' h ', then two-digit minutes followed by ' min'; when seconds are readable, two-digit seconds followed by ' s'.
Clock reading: 6 h 32 min
